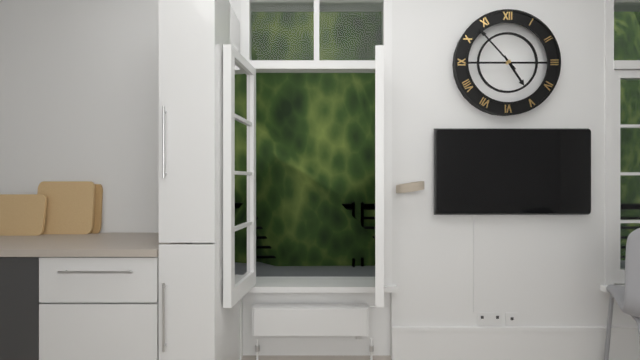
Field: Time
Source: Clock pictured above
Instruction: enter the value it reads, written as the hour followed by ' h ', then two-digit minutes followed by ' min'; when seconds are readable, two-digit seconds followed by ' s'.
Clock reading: 4 h 53 min
